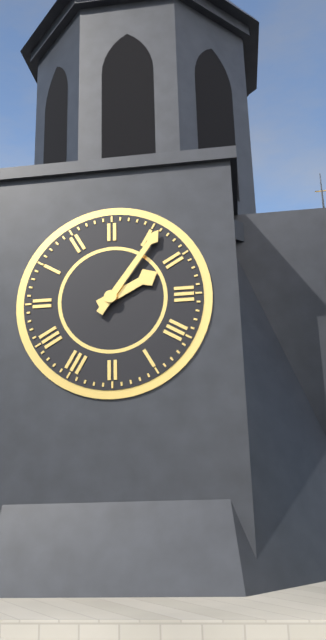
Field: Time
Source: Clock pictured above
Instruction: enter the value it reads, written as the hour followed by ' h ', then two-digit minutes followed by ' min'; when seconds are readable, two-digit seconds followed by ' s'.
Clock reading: 2 h 06 min
